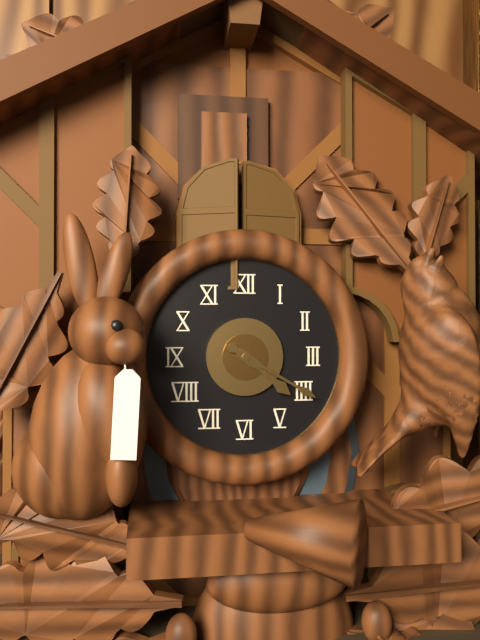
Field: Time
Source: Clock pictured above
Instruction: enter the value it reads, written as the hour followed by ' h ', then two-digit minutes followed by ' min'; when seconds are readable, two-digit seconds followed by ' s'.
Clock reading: 4 h 20 min
